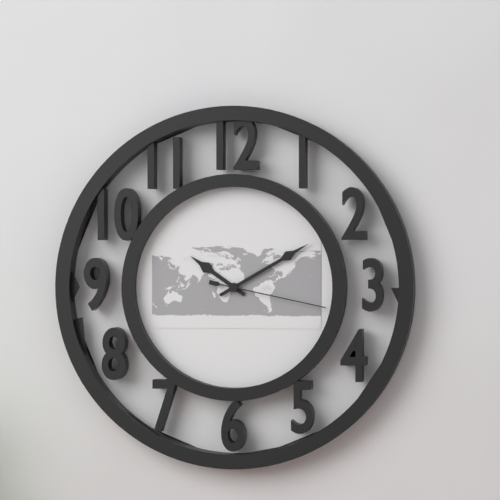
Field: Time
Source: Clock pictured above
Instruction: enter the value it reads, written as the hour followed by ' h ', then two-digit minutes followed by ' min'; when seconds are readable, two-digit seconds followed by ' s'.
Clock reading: 10 h 10 min 17 s
